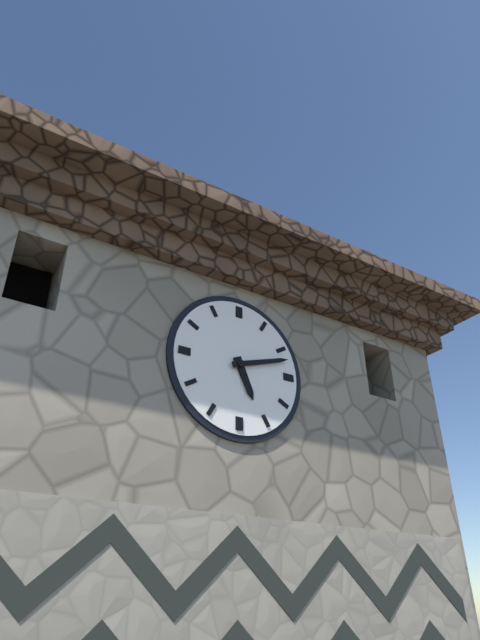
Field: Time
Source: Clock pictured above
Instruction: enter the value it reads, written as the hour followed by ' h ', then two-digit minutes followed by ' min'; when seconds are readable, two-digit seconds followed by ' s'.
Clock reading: 5 h 12 min
